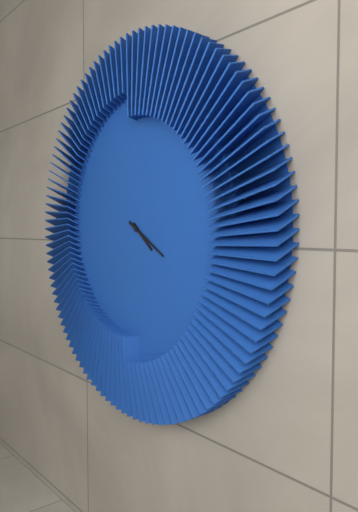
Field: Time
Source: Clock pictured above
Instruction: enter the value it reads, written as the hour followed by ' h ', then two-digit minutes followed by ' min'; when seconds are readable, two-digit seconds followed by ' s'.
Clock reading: 4 h 20 min
